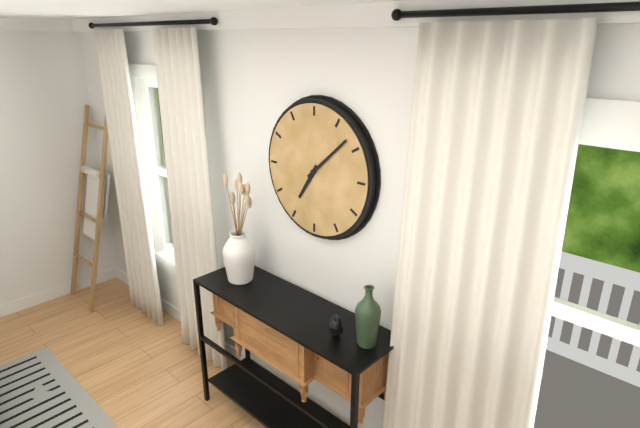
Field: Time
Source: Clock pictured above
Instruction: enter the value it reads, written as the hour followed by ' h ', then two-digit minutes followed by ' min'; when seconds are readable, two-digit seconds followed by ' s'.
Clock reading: 7 h 08 min
